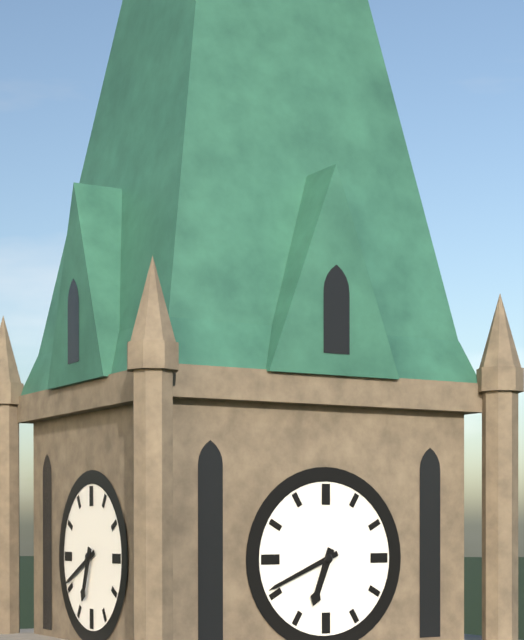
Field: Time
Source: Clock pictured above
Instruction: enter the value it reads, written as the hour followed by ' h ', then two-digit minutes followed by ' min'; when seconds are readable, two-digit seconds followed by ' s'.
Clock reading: 6 h 41 min
